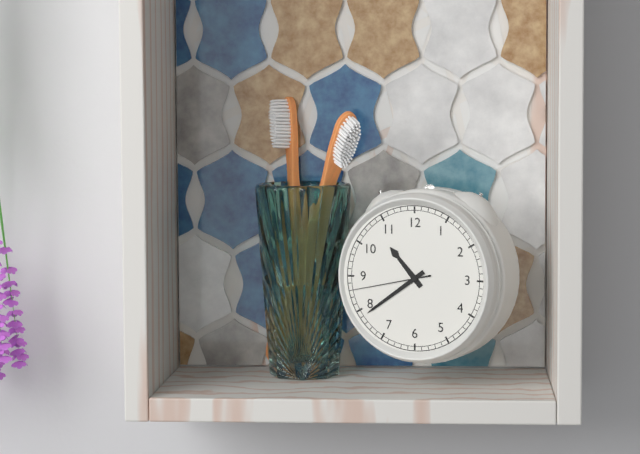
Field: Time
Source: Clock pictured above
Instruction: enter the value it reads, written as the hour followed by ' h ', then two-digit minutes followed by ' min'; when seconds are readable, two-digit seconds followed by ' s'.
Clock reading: 10 h 39 min 43 s
